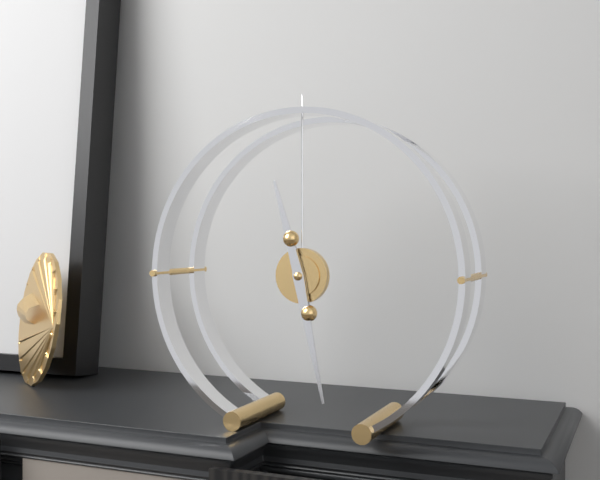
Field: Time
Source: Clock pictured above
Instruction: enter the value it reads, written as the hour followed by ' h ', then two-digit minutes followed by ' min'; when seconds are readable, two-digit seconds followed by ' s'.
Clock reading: 11 h 28 min
